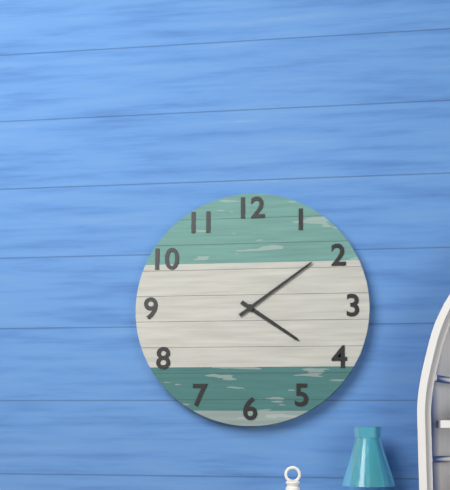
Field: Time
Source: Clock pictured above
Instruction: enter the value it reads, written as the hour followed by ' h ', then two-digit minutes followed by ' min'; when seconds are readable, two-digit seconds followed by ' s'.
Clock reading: 4 h 09 min
